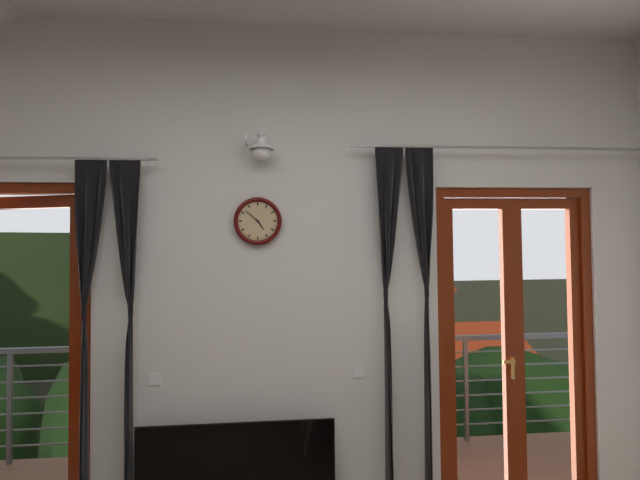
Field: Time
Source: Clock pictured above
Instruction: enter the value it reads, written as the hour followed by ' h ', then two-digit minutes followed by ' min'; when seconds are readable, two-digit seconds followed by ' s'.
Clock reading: 4 h 52 min
